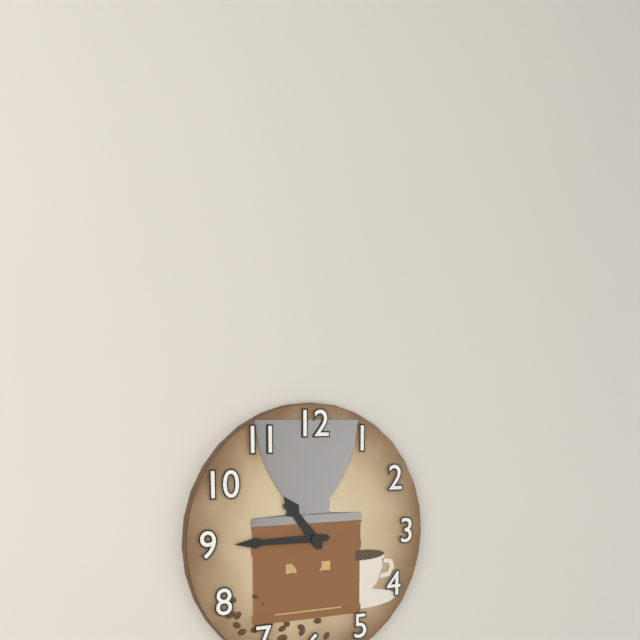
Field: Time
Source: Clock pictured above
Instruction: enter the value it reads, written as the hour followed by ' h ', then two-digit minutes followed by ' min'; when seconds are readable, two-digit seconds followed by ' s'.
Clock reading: 10 h 45 min
